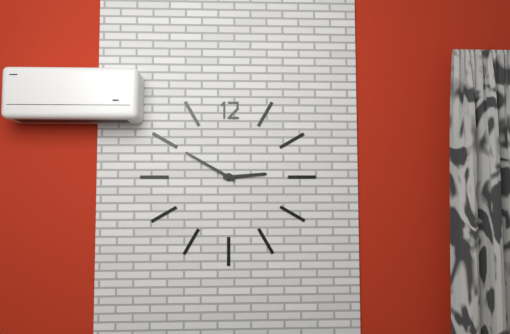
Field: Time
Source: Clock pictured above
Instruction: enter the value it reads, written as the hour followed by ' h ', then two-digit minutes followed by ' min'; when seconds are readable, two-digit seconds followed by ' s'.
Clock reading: 2 h 50 min
